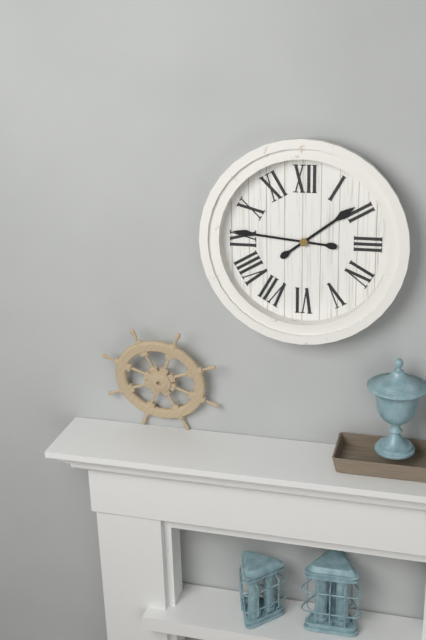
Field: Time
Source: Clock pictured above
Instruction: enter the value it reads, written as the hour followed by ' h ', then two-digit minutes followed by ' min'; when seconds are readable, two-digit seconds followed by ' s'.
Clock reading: 1 h 46 min
